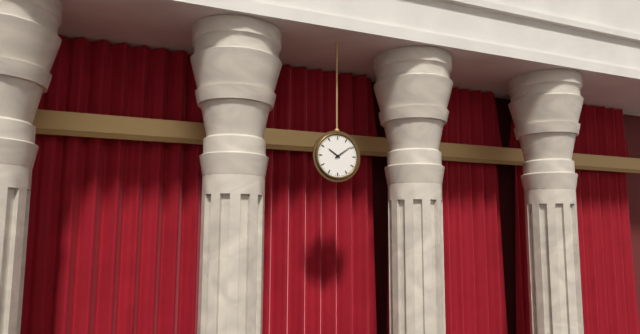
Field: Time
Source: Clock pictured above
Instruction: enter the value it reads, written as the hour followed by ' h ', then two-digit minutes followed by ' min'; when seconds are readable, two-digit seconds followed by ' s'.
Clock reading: 10 h 09 min
